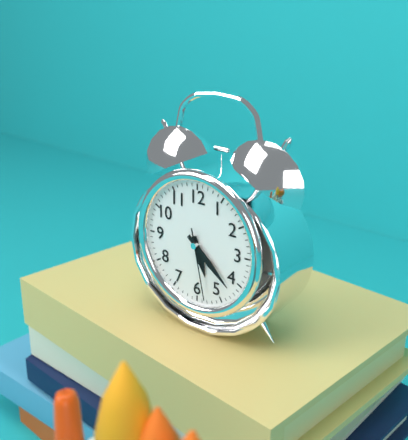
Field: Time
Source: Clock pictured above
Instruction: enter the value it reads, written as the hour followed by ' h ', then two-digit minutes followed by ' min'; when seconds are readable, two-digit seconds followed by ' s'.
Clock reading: 5 h 22 min 28 s
